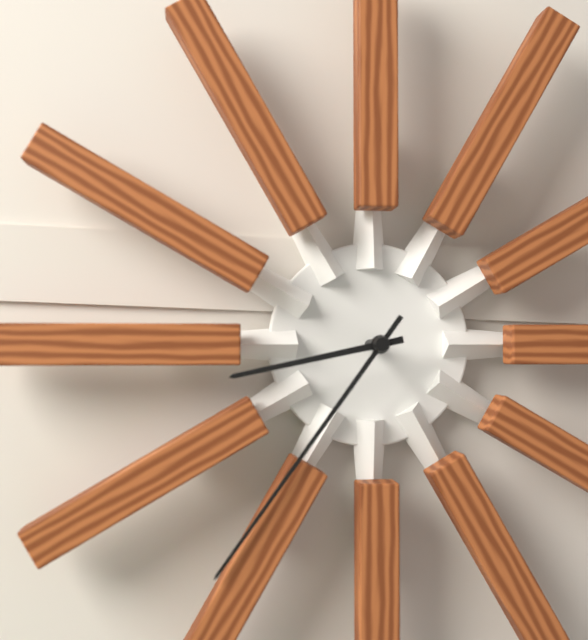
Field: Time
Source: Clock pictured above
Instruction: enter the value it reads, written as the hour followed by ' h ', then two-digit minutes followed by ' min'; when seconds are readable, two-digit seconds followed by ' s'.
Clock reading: 8 h 36 min
